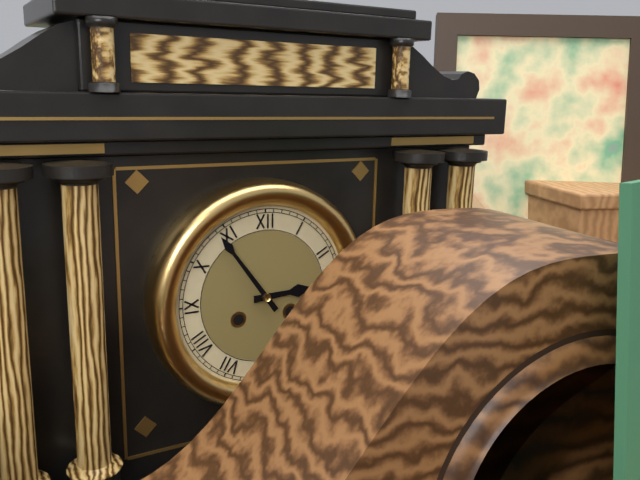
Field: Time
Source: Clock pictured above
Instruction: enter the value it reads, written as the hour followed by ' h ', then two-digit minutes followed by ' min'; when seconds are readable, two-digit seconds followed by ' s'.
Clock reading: 2 h 54 min
